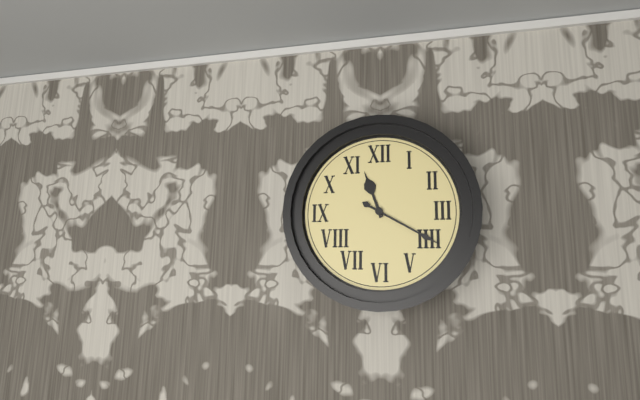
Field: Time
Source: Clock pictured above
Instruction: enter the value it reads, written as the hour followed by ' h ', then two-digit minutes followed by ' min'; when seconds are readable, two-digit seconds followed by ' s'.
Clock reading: 11 h 20 min
